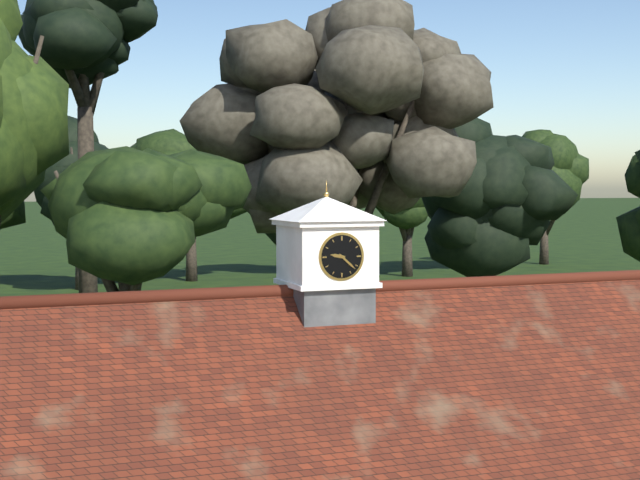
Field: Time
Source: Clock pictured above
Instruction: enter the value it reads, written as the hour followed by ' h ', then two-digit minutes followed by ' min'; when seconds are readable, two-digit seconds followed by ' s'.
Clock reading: 9 h 22 min
